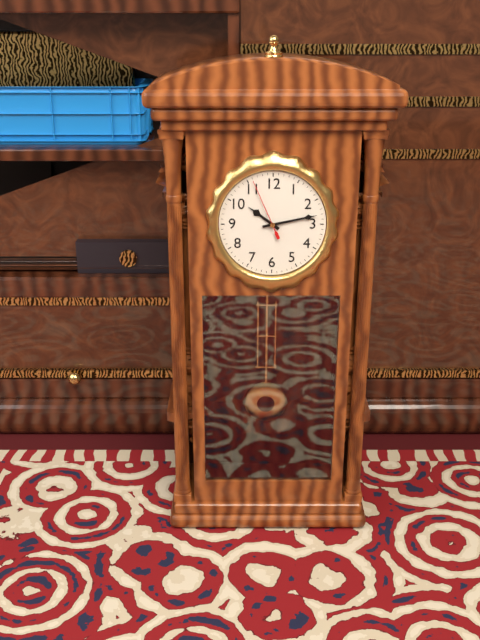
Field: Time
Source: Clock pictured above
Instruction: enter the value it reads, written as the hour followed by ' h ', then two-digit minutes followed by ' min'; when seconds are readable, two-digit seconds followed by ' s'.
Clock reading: 10 h 13 min 56 s
